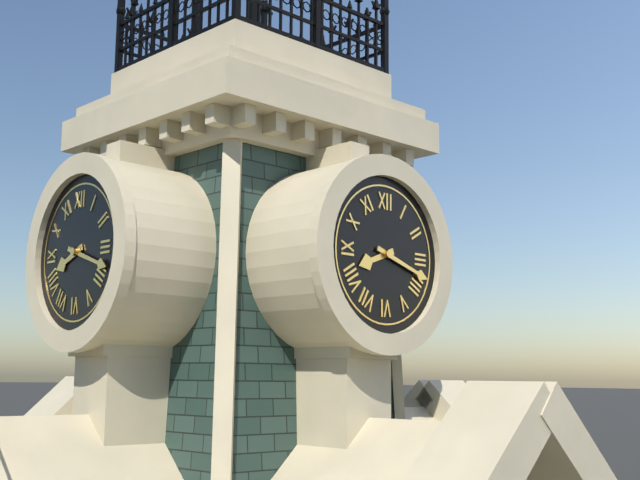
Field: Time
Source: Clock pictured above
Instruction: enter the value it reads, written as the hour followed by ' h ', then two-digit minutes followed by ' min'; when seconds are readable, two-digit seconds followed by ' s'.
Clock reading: 8 h 18 min
